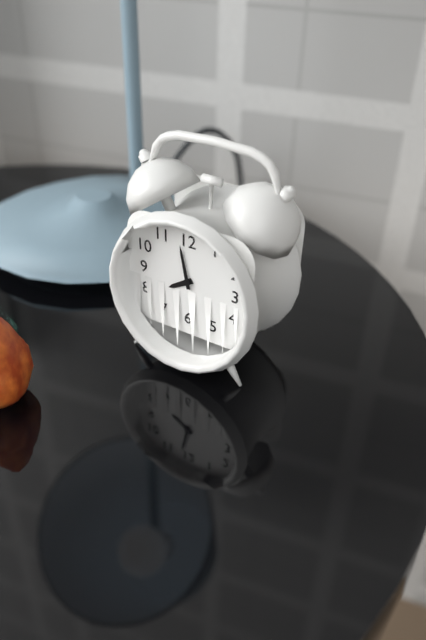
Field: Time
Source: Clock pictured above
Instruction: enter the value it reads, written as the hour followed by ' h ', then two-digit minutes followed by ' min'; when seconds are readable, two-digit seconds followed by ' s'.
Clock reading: 7 h 58 min
